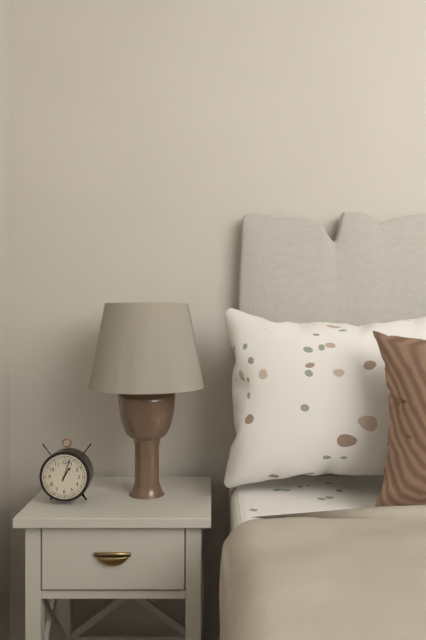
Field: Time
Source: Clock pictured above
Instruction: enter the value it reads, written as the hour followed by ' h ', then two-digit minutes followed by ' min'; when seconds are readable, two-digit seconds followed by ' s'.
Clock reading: 1 h 03 min
